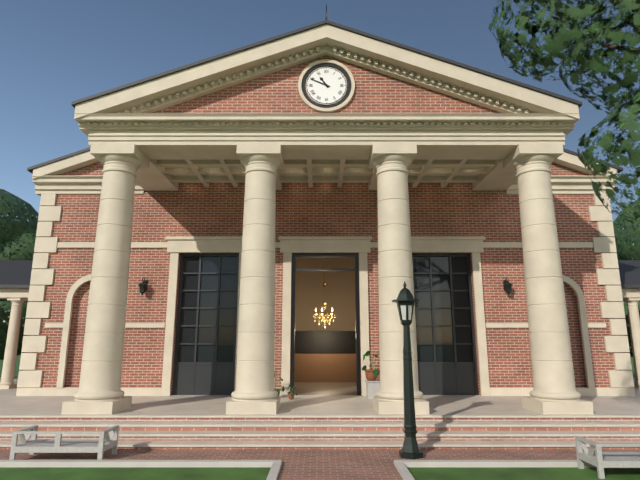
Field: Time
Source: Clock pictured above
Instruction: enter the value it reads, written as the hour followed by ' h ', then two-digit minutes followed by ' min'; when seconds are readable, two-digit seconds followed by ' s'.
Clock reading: 10 h 49 min
